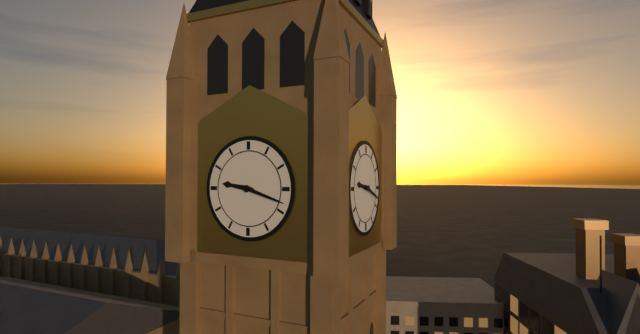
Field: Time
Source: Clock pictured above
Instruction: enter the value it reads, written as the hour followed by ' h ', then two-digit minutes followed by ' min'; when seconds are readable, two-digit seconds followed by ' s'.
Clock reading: 9 h 18 min
